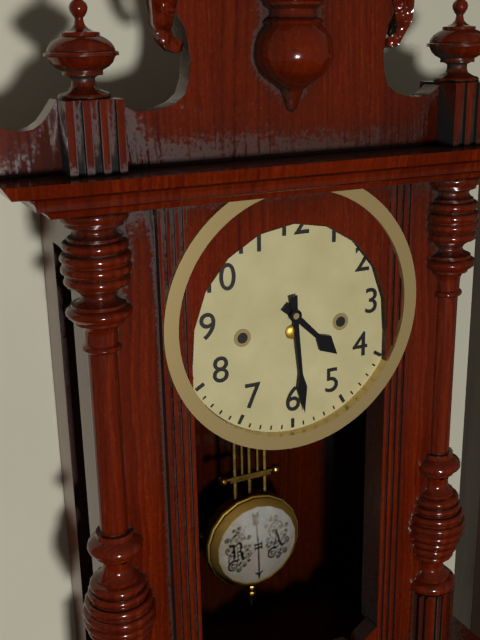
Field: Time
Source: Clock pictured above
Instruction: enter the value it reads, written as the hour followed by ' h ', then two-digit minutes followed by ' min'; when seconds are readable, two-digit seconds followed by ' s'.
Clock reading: 4 h 29 min
